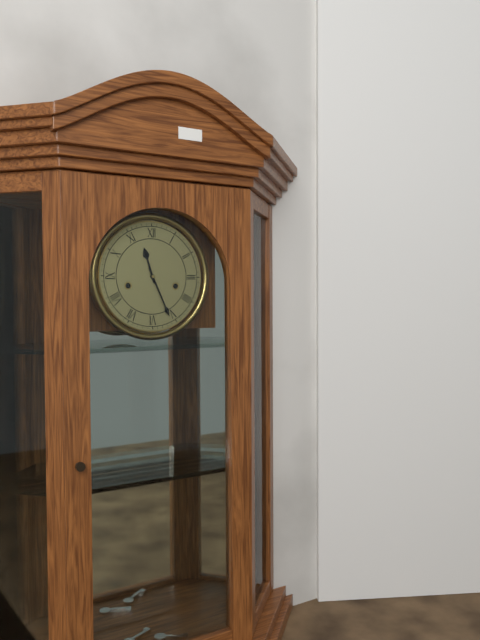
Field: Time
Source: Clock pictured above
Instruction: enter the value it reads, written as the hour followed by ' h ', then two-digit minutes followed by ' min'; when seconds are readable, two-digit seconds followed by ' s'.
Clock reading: 11 h 26 min
